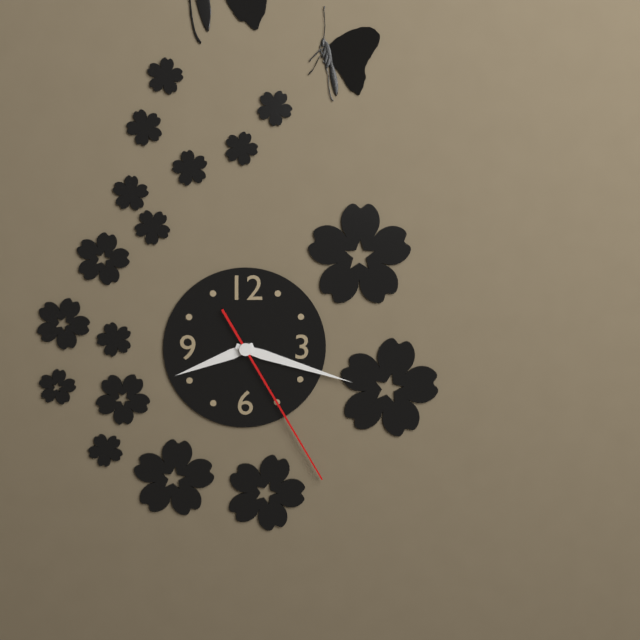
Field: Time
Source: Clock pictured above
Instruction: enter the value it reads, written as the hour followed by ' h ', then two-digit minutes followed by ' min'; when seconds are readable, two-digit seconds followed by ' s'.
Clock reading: 8 h 18 min 25 s
